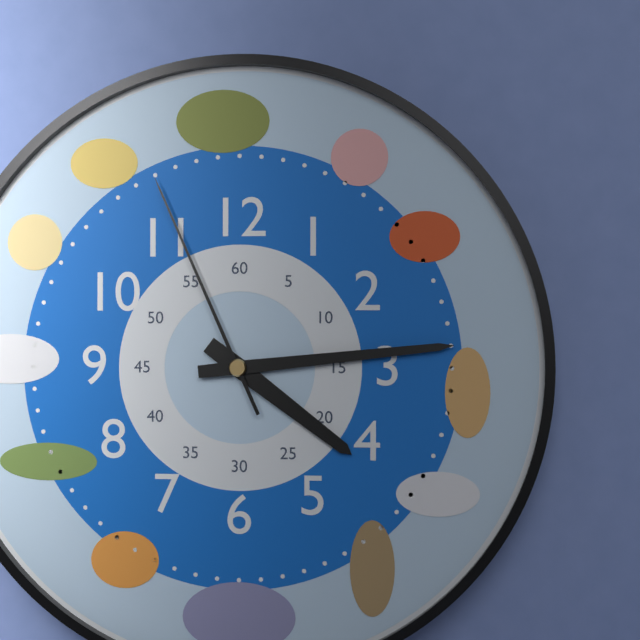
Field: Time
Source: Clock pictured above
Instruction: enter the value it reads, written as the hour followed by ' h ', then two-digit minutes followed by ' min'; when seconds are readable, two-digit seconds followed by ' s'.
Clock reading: 4 h 14 min 56 s
